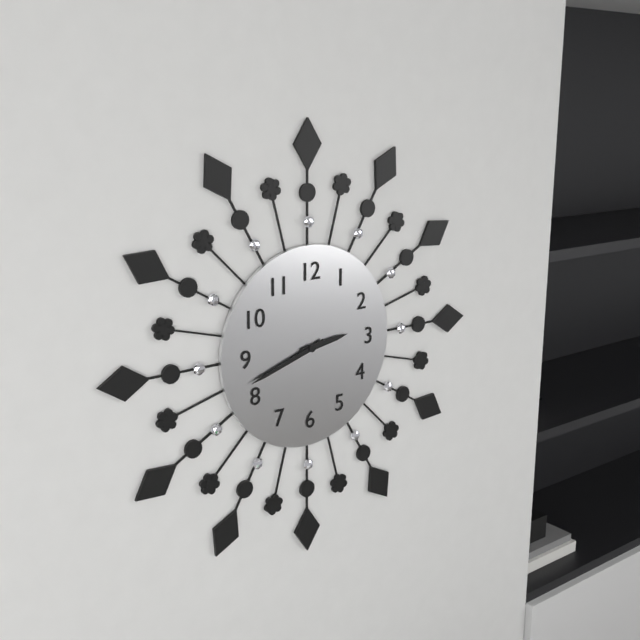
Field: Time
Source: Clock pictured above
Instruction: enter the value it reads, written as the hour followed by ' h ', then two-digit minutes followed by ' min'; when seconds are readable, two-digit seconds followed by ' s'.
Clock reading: 2 h 42 min
